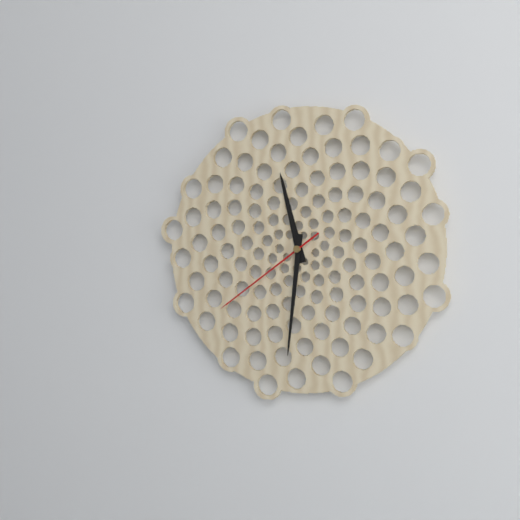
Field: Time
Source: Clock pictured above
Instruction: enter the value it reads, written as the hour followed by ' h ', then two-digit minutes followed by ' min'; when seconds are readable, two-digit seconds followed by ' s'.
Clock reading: 11 h 31 min 39 s
